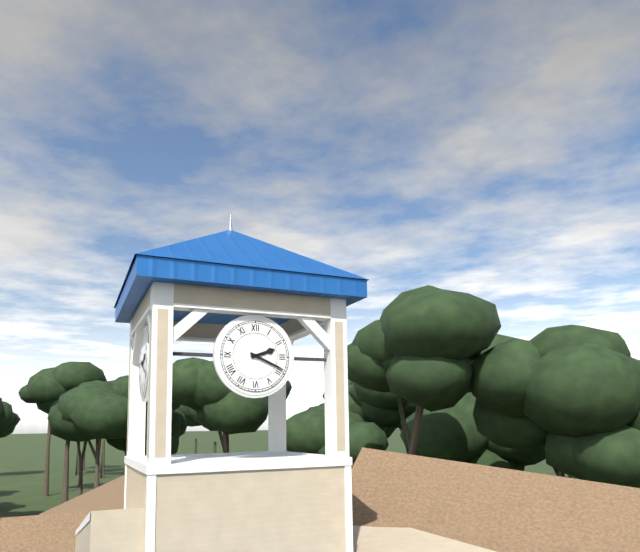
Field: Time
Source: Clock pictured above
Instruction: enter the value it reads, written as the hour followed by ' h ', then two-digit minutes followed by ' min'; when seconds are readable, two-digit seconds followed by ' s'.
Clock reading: 2 h 19 min
